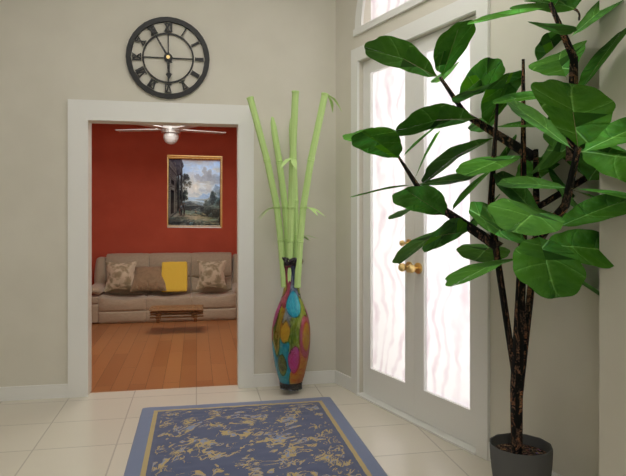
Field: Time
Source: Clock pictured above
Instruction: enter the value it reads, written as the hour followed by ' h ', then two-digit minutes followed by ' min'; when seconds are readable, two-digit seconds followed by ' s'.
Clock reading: 5 h 55 min
